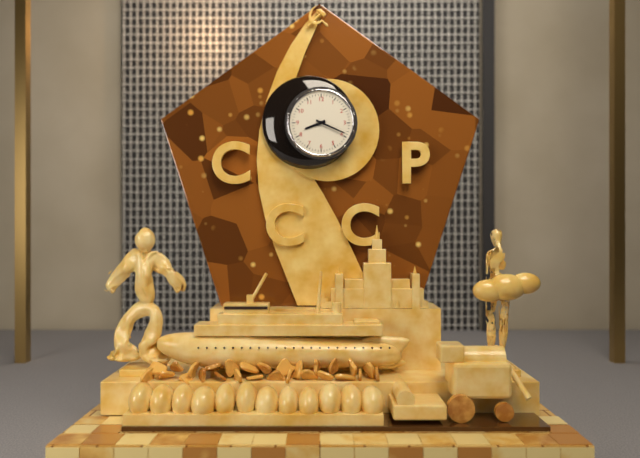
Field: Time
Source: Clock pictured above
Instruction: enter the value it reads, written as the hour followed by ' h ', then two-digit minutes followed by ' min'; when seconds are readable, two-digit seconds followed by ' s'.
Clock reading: 8 h 19 min
